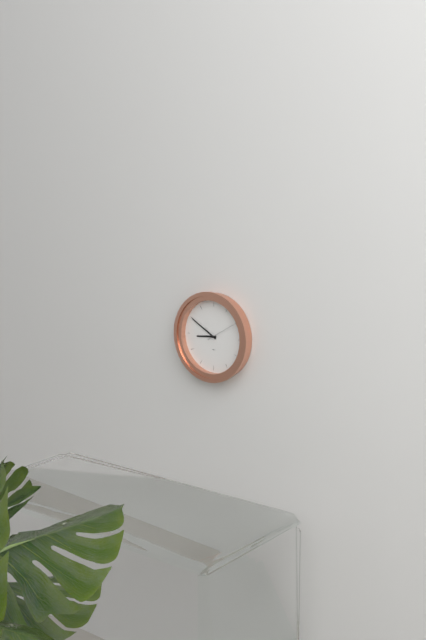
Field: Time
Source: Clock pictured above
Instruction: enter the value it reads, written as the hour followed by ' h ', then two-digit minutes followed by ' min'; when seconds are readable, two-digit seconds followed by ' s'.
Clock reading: 8 h 50 min
